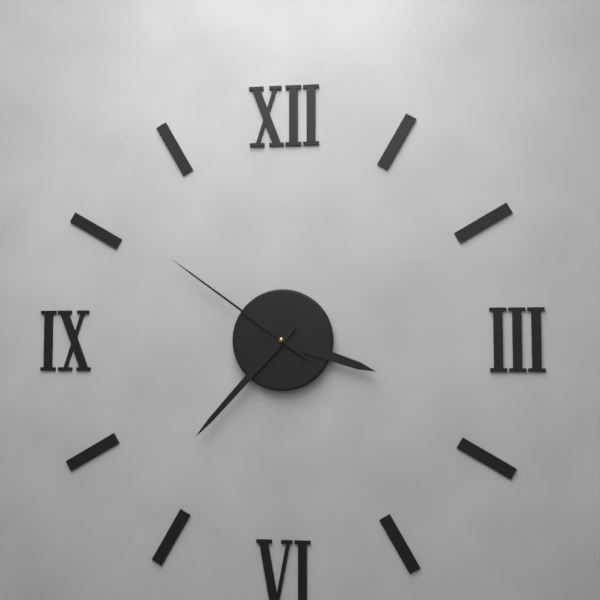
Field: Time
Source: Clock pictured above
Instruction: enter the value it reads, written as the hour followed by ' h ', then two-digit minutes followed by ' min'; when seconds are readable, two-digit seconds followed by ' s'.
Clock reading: 3 h 37 min 51 s
